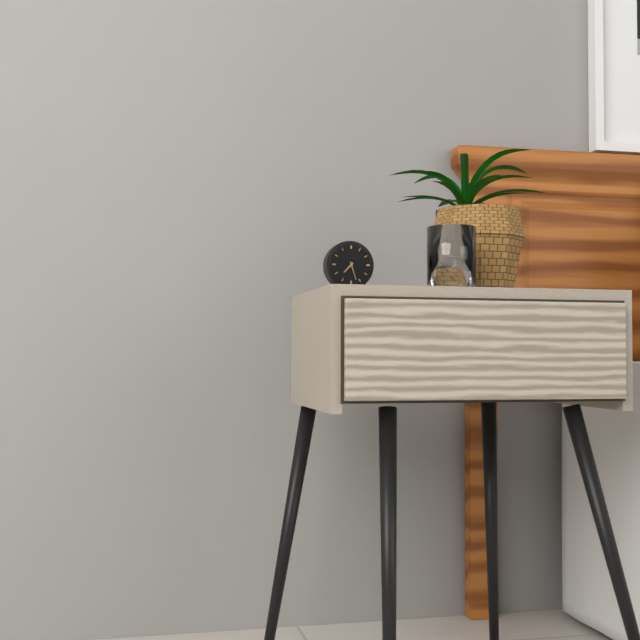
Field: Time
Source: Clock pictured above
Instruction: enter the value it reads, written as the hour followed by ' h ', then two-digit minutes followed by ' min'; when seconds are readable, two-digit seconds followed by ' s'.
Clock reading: 7 h 27 min
